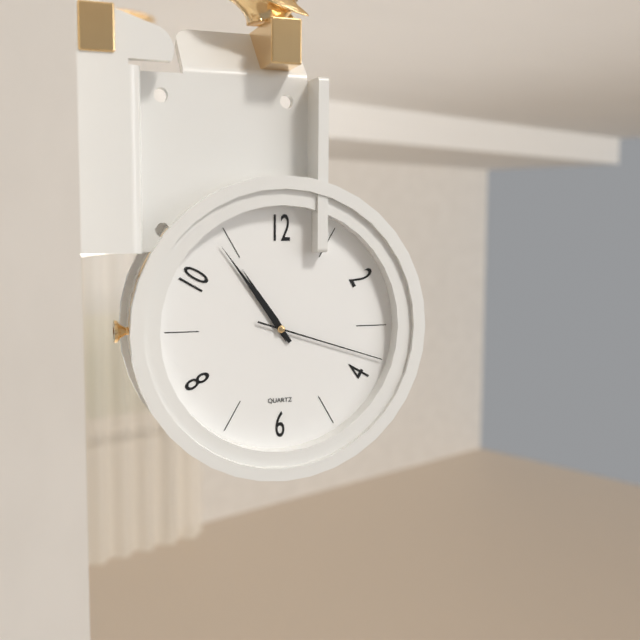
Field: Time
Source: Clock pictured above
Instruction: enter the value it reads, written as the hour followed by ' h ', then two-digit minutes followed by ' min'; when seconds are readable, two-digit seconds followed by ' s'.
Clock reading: 10 h 54 min 18 s
